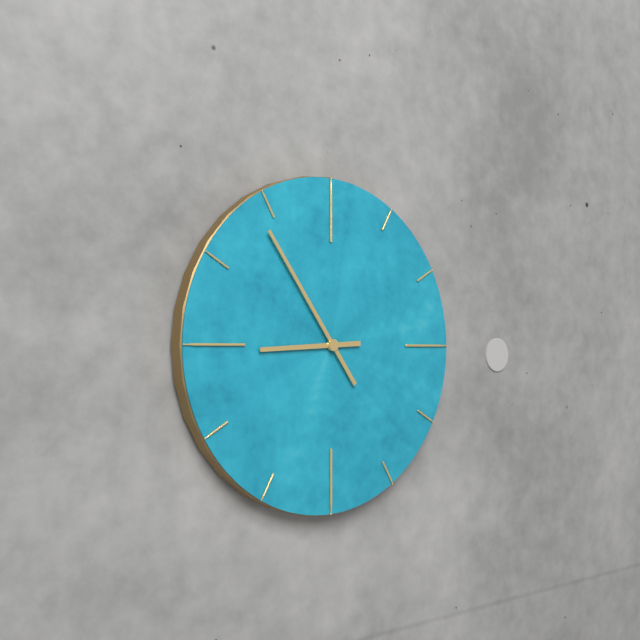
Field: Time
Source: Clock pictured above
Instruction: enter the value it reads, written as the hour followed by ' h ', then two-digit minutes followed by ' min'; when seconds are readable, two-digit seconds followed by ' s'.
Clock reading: 8 h 54 min
